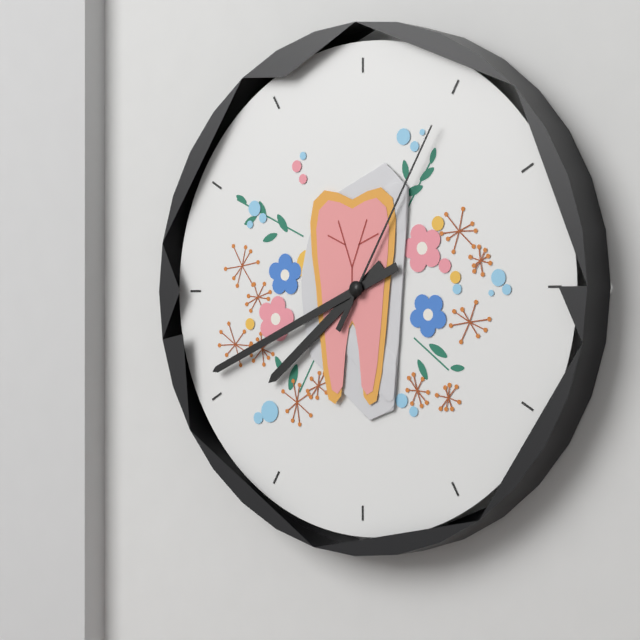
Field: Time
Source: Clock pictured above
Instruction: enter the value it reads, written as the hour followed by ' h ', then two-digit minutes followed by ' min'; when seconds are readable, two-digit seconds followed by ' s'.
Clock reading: 7 h 41 min 05 s
